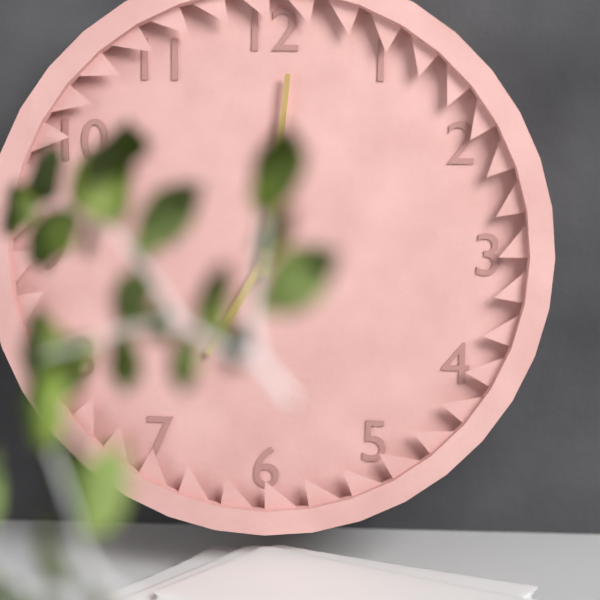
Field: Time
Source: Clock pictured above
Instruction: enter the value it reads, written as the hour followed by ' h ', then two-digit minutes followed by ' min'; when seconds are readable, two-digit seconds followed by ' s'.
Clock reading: 7 h 01 min
